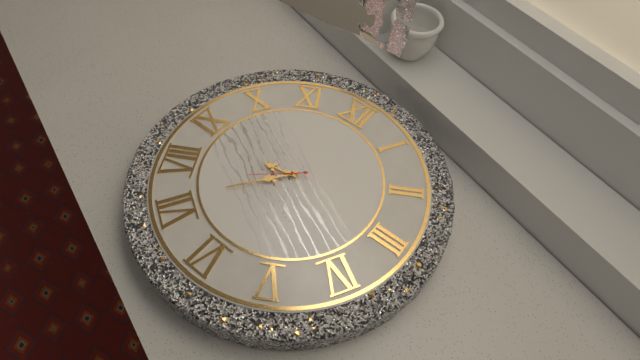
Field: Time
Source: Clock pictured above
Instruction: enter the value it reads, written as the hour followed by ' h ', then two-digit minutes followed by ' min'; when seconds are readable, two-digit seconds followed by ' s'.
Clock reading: 8 h 36 min 38 s
